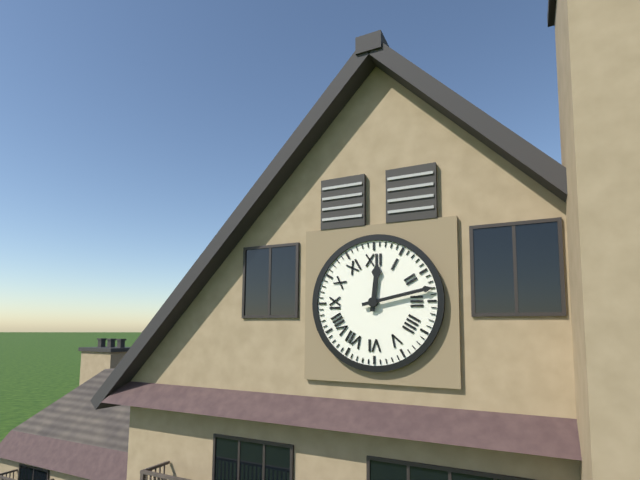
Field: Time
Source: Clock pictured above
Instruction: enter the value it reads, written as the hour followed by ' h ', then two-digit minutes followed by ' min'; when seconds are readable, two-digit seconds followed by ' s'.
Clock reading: 12 h 13 min
